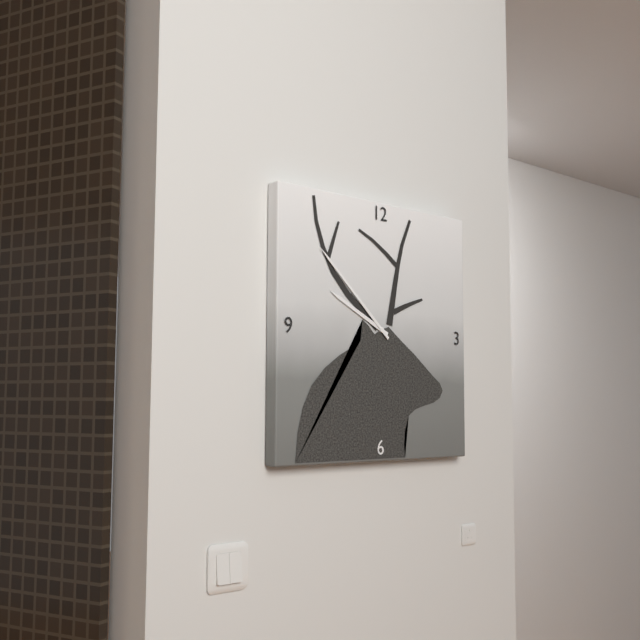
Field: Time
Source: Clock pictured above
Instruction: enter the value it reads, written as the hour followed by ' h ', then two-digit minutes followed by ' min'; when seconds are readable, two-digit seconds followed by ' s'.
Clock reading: 9 h 52 min
